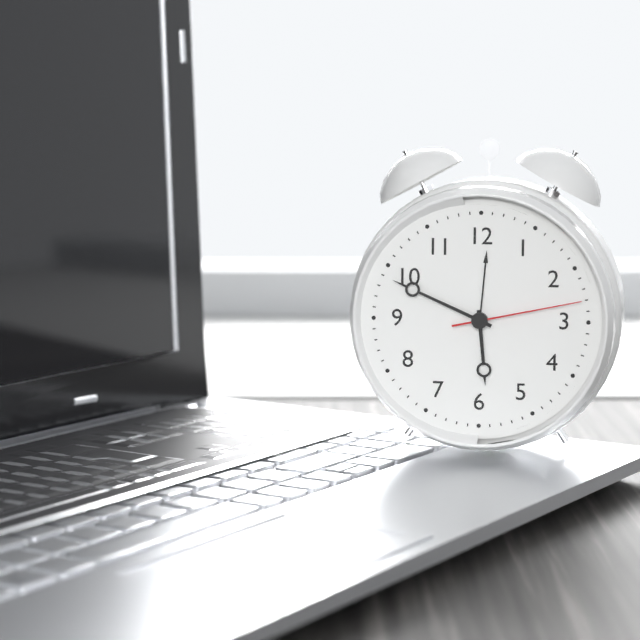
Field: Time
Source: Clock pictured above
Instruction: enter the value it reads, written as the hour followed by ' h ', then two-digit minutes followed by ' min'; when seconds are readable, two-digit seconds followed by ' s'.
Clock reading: 5 h 49 min 13 s
